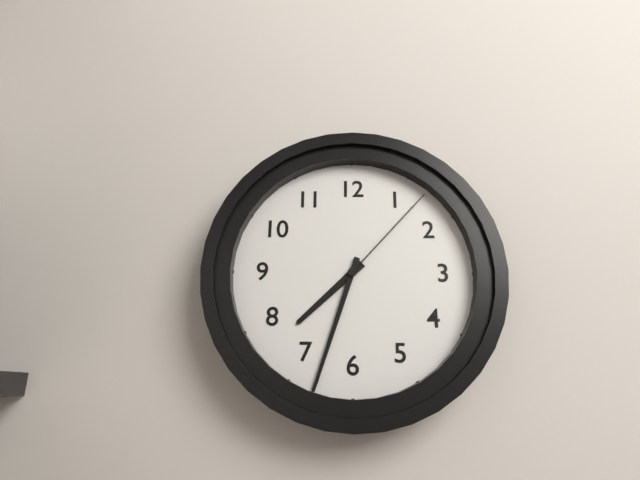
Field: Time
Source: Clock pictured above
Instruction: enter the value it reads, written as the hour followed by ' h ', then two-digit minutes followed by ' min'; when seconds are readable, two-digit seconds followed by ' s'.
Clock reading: 7 h 33 min 07 s
